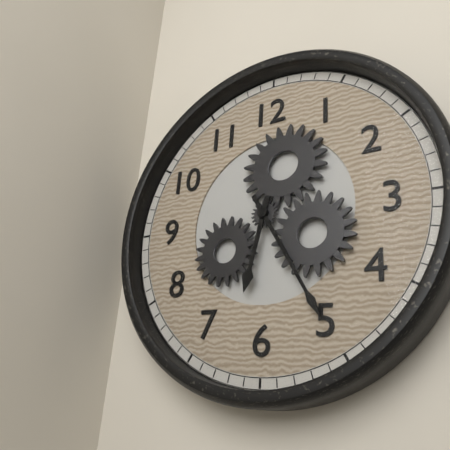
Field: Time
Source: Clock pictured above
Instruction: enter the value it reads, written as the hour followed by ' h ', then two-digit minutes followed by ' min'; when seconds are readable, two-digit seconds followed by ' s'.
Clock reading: 6 h 25 min
